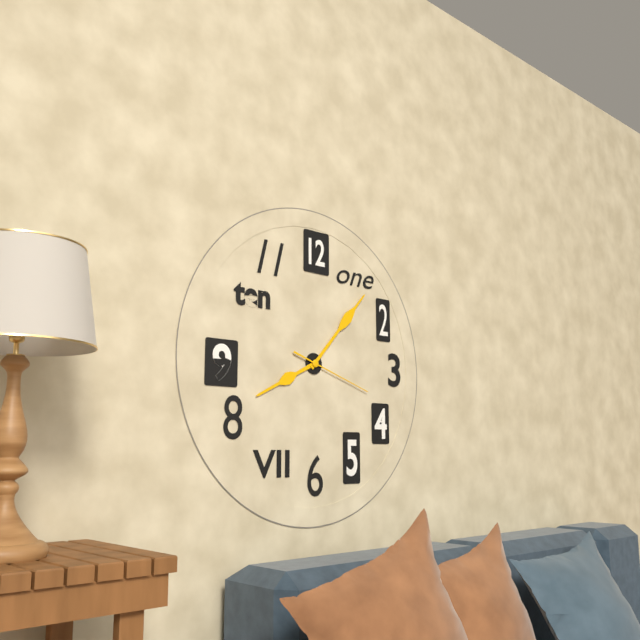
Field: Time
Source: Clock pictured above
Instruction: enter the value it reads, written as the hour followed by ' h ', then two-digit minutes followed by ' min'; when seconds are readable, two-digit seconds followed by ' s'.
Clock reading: 8 h 07 min 18 s
